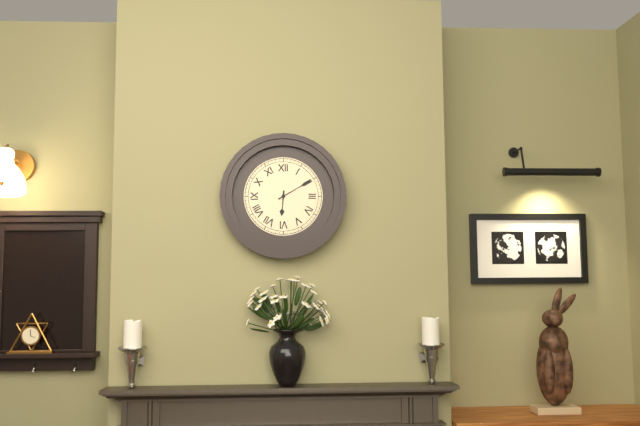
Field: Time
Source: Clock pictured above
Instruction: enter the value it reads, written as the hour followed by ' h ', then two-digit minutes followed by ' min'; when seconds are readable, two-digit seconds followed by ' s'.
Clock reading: 6 h 10 min
